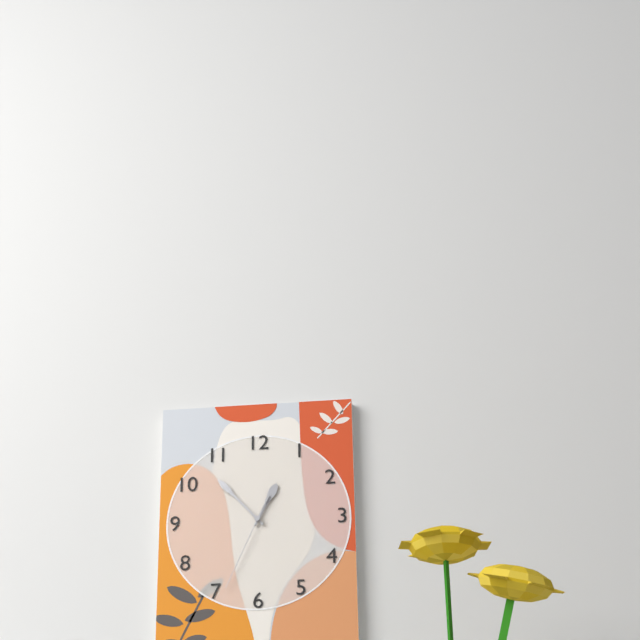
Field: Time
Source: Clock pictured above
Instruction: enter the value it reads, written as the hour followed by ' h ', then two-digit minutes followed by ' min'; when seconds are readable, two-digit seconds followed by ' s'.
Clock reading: 12 h 53 min 34 s
